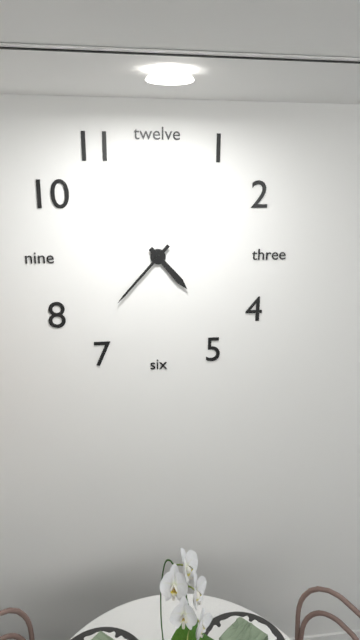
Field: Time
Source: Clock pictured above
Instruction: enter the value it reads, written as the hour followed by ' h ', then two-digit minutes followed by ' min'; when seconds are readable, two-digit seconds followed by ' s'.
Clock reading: 4 h 37 min
